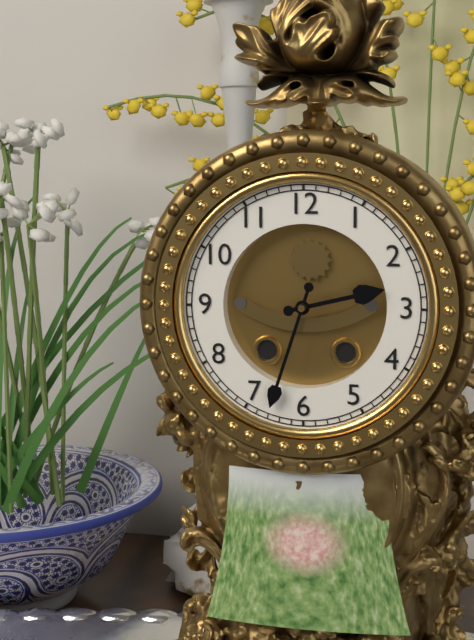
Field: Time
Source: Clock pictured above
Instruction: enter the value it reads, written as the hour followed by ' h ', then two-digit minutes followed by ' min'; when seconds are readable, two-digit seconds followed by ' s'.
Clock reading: 2 h 33 min
